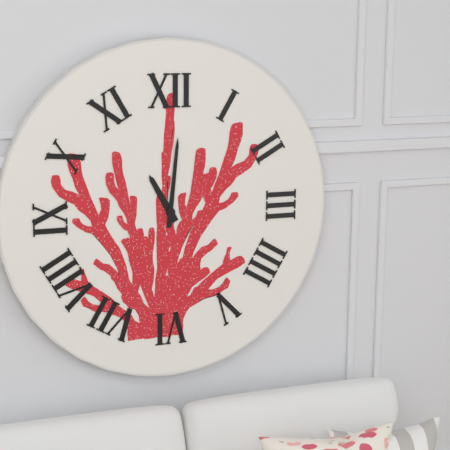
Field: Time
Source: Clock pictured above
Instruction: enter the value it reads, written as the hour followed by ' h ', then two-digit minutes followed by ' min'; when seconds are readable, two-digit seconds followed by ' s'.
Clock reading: 11 h 01 min
